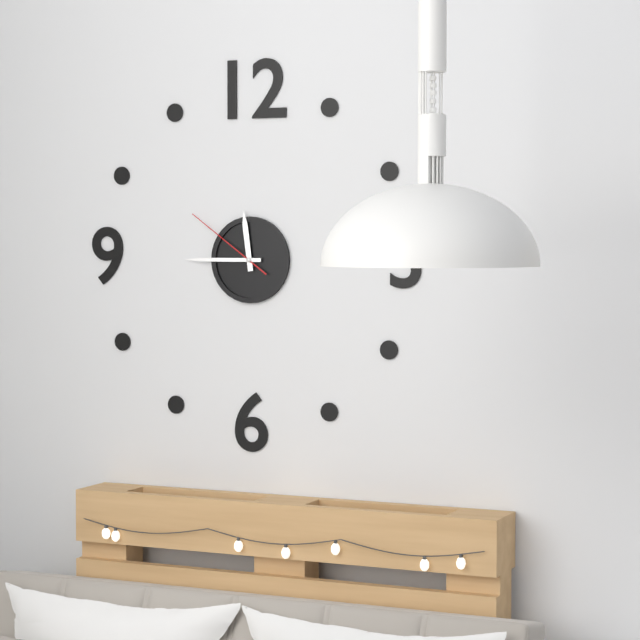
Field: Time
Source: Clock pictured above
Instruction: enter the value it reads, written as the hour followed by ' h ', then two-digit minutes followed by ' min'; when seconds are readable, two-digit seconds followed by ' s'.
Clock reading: 11 h 45 min 51 s
